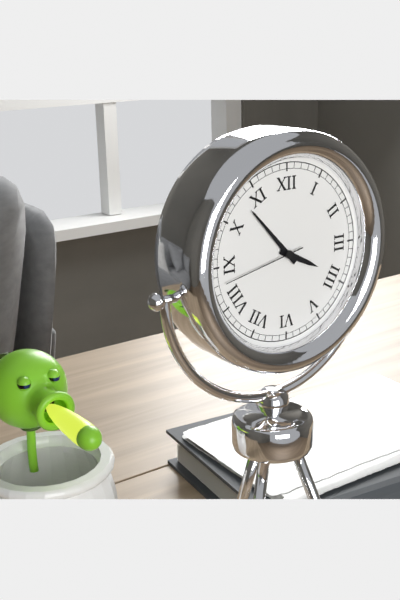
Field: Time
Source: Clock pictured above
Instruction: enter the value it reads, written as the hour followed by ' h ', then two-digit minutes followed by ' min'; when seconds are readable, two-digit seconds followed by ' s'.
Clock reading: 3 h 53 min 43 s
